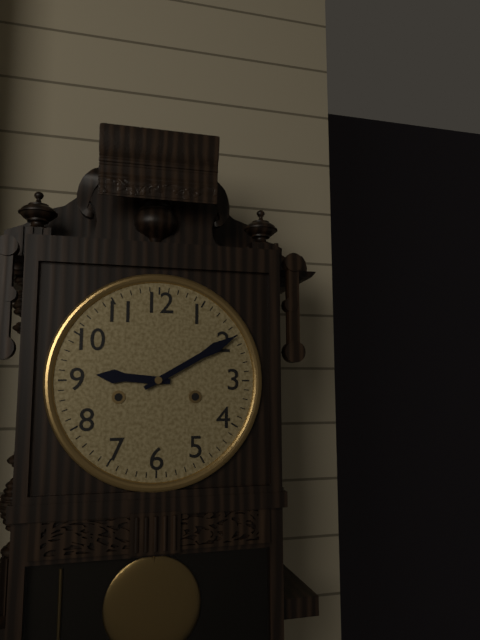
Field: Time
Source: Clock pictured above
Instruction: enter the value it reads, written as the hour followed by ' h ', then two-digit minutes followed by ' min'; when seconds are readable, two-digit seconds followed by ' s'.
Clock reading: 9 h 10 min
